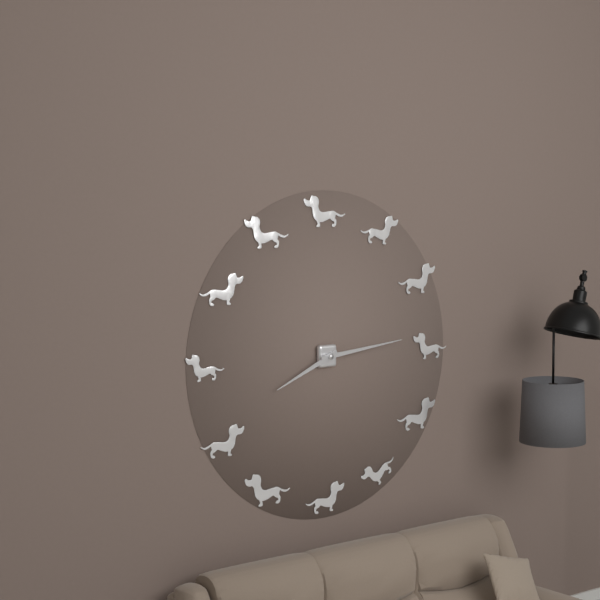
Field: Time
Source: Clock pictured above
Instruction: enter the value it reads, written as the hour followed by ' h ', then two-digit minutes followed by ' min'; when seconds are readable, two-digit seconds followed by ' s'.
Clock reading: 8 h 14 min
